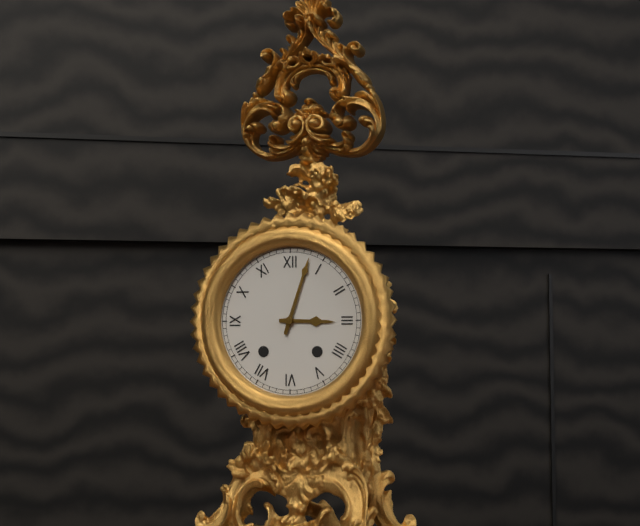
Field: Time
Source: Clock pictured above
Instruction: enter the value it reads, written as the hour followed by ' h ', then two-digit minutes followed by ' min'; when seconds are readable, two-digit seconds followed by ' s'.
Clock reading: 3 h 03 min
